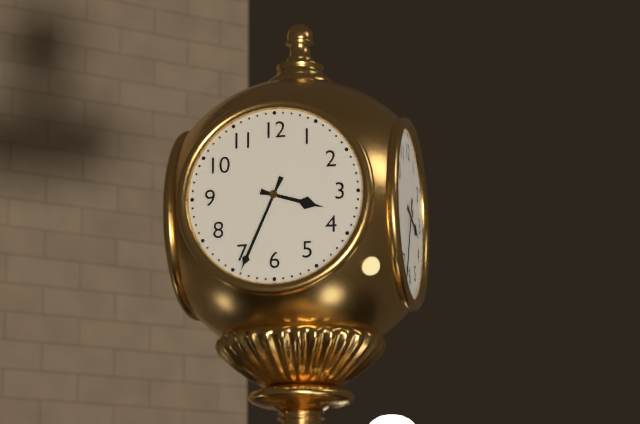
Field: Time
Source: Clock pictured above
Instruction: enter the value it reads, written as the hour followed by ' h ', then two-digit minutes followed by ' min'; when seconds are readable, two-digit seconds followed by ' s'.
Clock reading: 3 h 34 min
